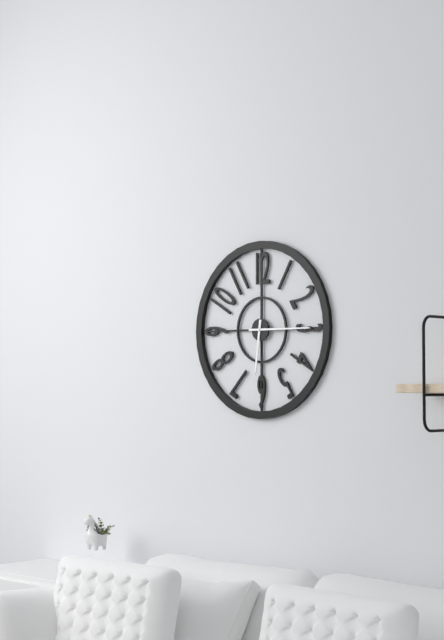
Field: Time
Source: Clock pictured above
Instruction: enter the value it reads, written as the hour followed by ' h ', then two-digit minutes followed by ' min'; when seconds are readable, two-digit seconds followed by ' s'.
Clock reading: 6 h 15 min
